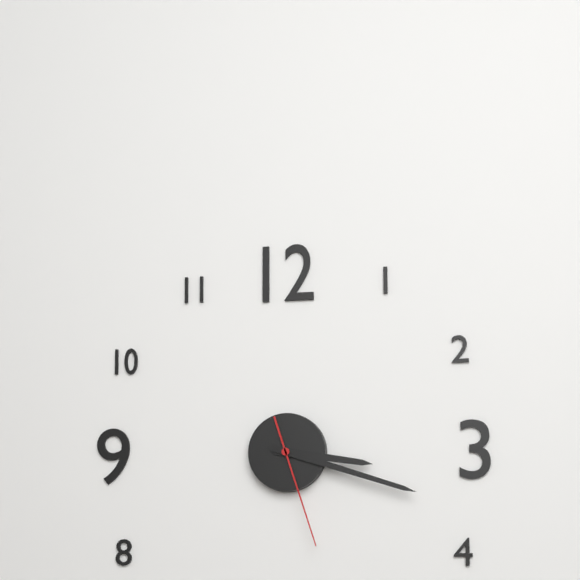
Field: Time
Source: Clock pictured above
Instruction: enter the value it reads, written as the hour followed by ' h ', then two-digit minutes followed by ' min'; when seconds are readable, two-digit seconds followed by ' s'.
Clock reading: 3 h 18 min 27 s
